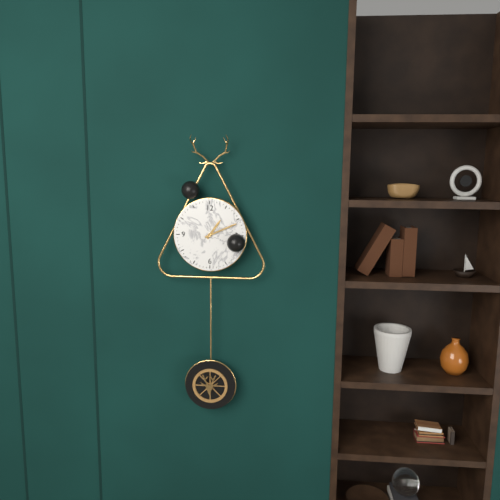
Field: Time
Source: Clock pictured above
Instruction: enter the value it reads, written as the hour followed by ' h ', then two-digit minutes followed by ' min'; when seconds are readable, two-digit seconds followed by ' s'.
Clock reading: 1 h 11 min
